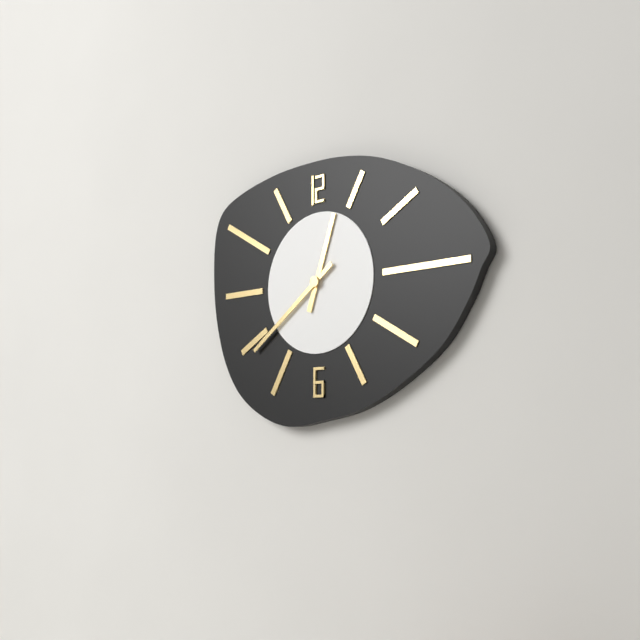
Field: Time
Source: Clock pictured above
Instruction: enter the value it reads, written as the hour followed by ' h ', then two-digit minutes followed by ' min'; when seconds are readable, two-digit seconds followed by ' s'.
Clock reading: 12 h 39 min
